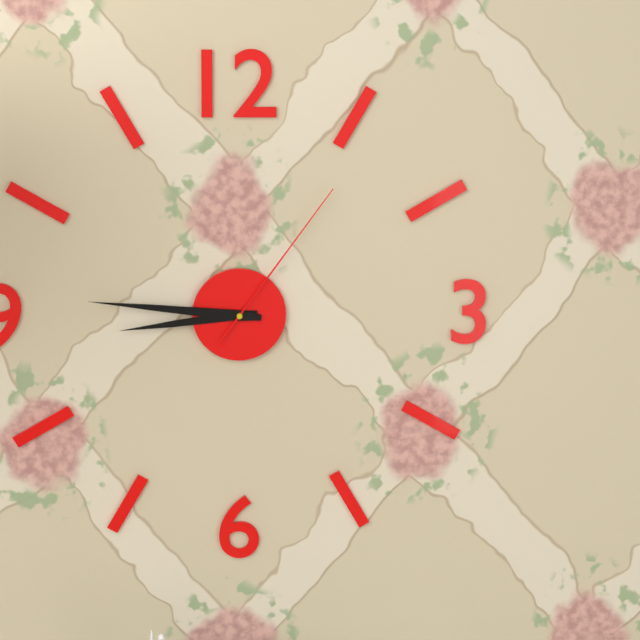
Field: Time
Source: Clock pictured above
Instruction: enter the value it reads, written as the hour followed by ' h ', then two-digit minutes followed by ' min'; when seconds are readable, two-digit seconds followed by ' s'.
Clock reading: 8 h 46 min 06 s
